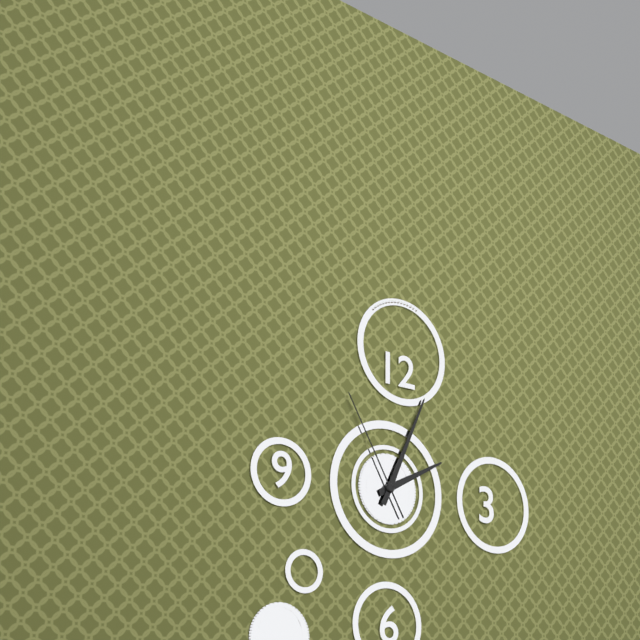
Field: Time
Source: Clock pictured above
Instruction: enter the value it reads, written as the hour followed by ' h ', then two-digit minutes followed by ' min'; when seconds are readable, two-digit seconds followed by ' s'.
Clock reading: 2 h 04 min 55 s
